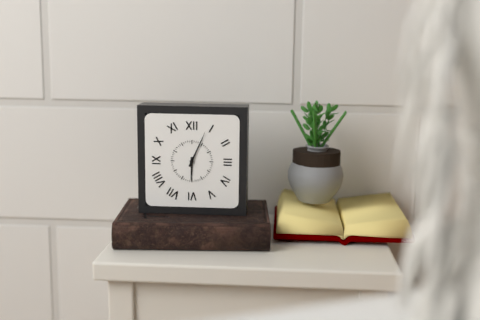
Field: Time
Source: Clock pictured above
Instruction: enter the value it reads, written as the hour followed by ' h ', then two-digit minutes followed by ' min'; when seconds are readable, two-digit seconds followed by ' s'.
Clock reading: 6 h 04 min
